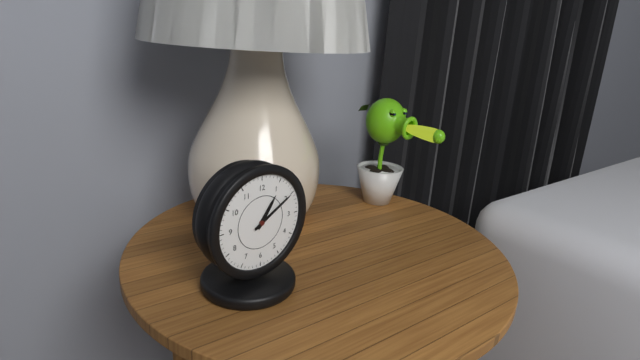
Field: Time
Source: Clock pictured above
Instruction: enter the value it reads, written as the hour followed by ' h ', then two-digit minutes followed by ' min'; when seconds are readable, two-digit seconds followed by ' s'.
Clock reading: 1 h 10 min
